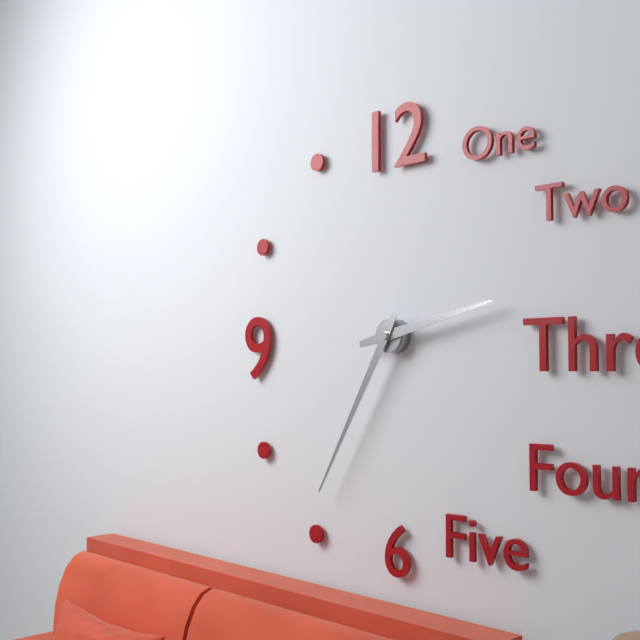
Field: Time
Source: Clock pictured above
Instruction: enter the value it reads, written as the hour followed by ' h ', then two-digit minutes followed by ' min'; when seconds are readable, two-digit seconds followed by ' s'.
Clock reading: 2 h 35 min
